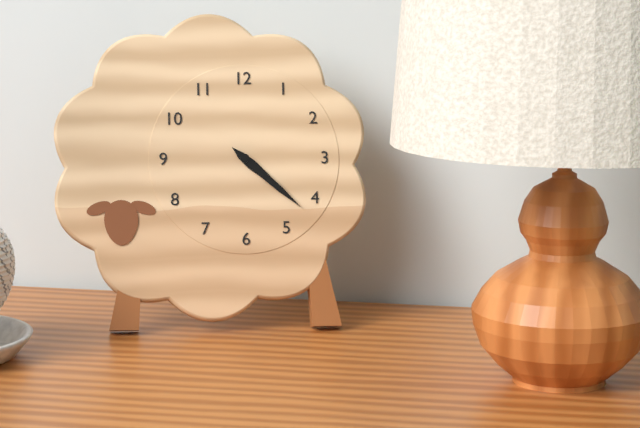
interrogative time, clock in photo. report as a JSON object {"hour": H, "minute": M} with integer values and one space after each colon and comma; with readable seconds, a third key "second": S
{"hour": 4, "minute": 22}
